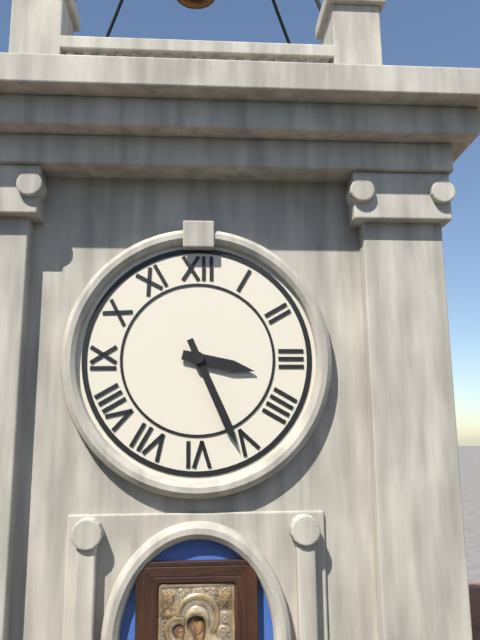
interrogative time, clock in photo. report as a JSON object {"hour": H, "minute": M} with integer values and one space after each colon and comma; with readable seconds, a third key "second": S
{"hour": 3, "minute": 26}
